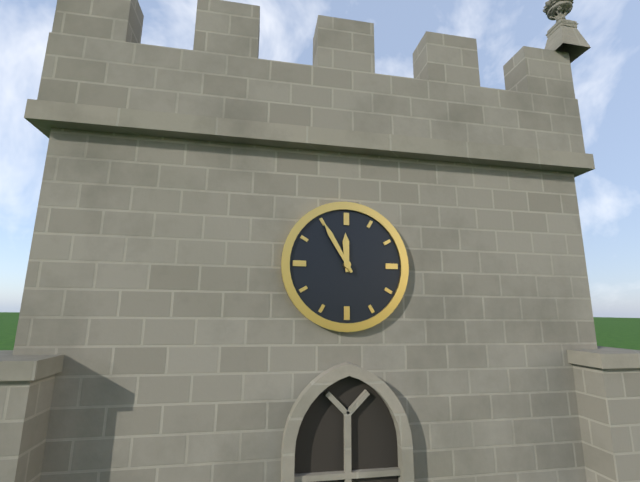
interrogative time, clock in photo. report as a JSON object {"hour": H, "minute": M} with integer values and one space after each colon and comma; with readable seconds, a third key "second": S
{"hour": 11, "minute": 55}
